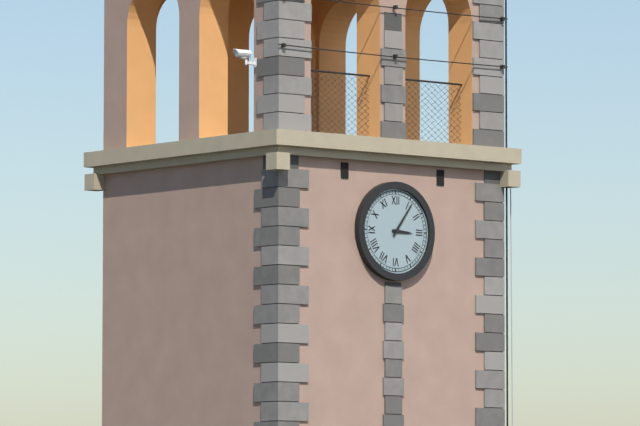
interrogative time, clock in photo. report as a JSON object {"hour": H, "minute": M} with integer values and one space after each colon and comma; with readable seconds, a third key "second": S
{"hour": 3, "minute": 6}
